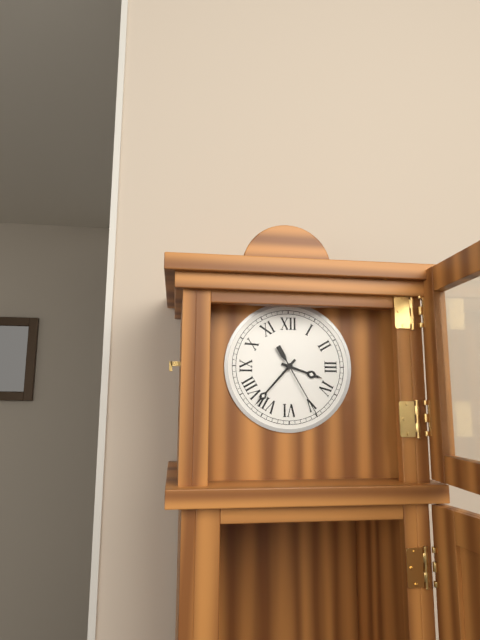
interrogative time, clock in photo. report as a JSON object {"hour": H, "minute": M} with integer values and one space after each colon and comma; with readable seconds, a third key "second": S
{"hour": 3, "minute": 37, "second": 25}
